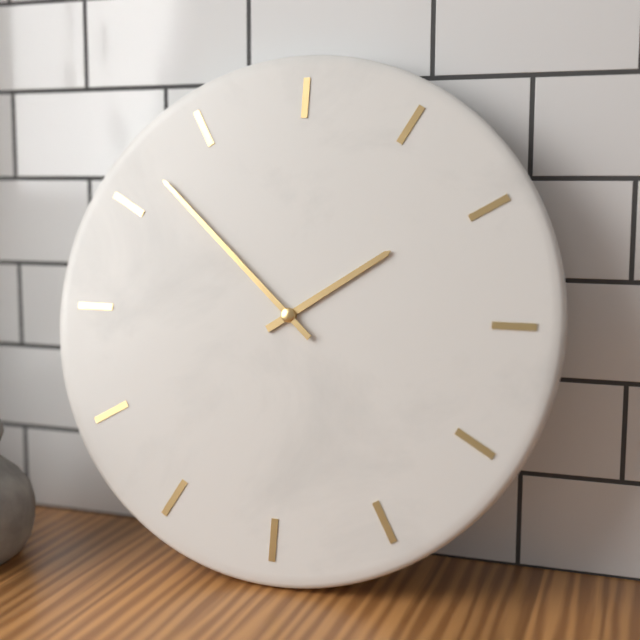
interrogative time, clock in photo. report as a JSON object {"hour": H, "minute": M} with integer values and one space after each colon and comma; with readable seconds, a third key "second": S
{"hour": 1, "minute": 52}
